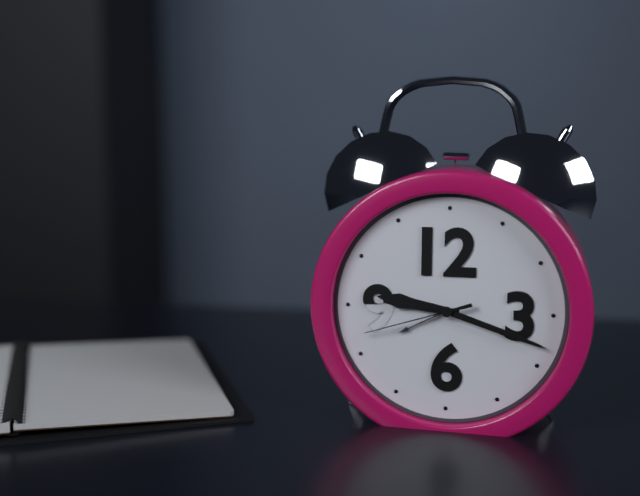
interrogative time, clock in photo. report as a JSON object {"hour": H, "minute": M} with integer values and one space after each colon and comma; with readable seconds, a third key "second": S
{"hour": 9, "minute": 18, "second": 42}
